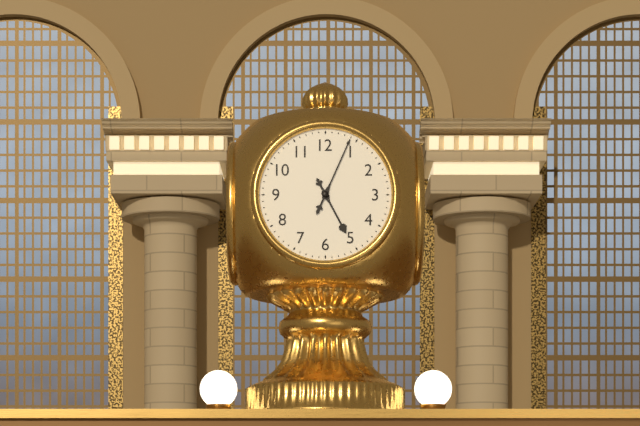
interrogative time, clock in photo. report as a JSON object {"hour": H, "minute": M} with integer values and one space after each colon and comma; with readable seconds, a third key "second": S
{"hour": 5, "minute": 4}
